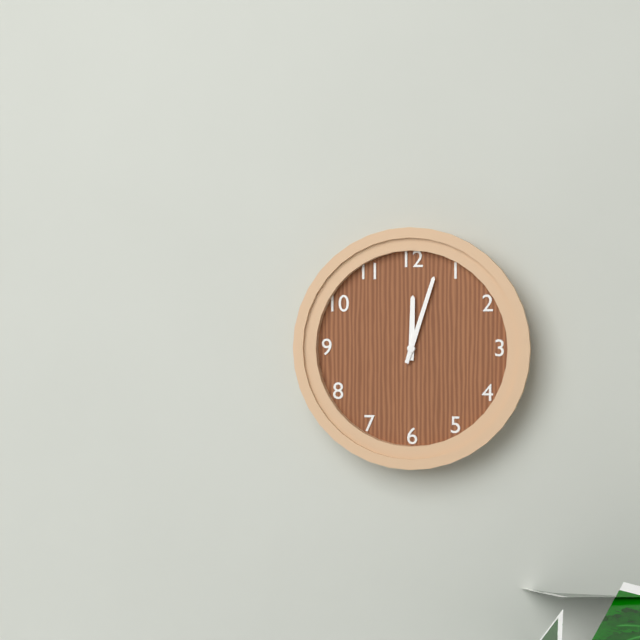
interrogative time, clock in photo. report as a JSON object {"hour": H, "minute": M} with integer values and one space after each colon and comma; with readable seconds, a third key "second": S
{"hour": 12, "minute": 3}
